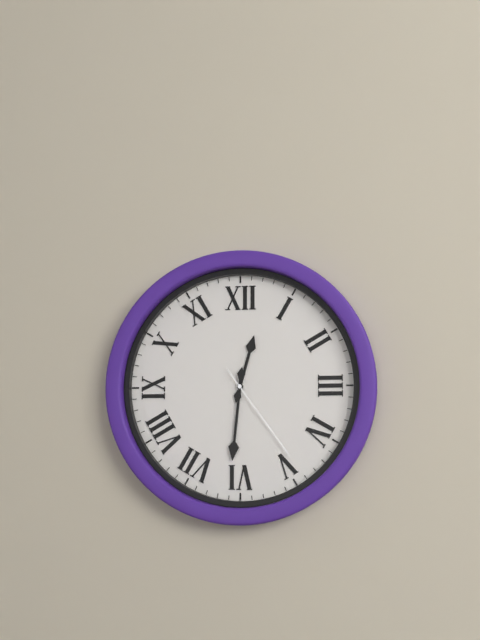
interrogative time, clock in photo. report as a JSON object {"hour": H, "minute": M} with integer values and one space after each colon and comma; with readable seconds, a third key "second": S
{"hour": 12, "minute": 31, "second": 24}
